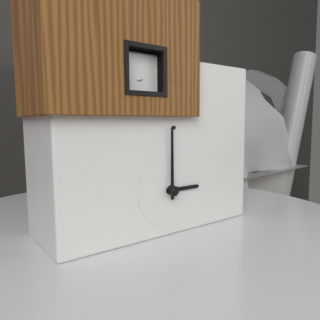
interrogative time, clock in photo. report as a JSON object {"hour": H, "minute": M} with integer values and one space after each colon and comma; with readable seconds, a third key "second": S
{"hour": 3, "minute": 0}
